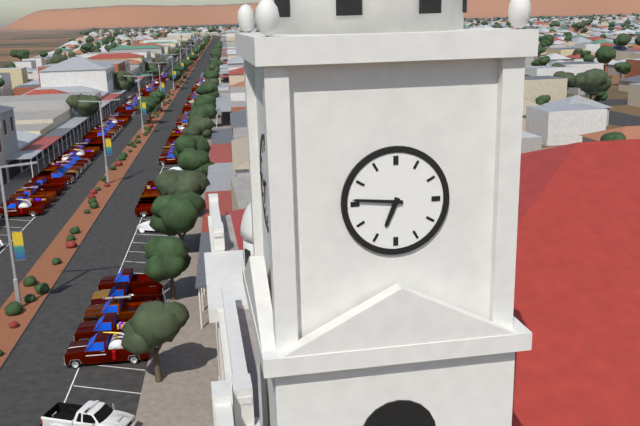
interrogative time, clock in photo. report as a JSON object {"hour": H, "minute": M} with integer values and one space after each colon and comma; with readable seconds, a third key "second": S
{"hour": 6, "minute": 46}
